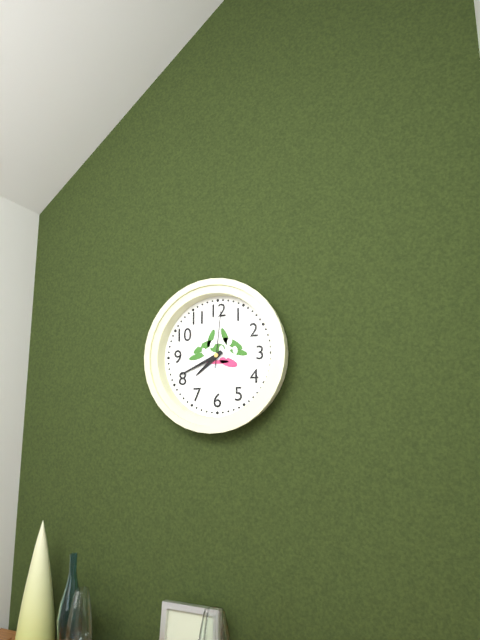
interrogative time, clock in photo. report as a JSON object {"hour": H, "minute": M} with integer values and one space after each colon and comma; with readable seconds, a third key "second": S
{"hour": 7, "minute": 41, "second": 1}
